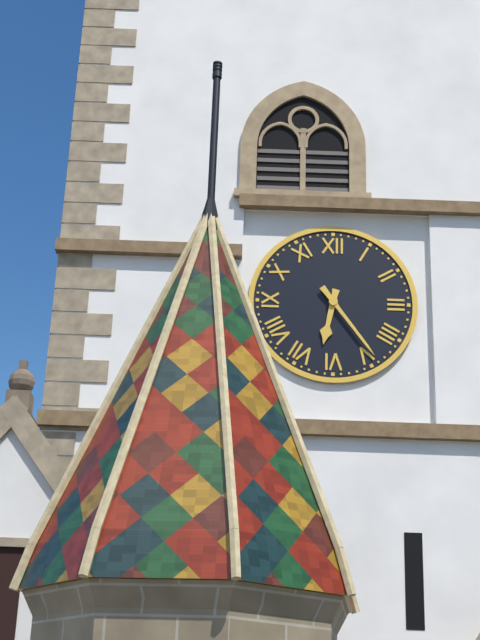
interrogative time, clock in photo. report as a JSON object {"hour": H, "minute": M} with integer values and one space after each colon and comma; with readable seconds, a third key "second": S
{"hour": 6, "minute": 24}
